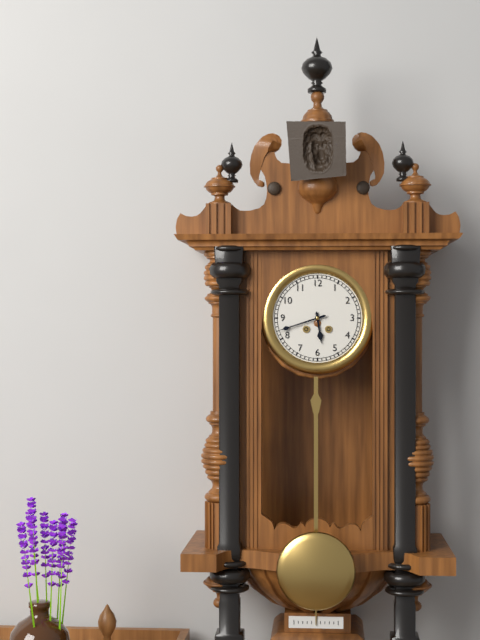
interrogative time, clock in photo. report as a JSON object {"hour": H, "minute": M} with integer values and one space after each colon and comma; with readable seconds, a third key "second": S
{"hour": 5, "minute": 42}
